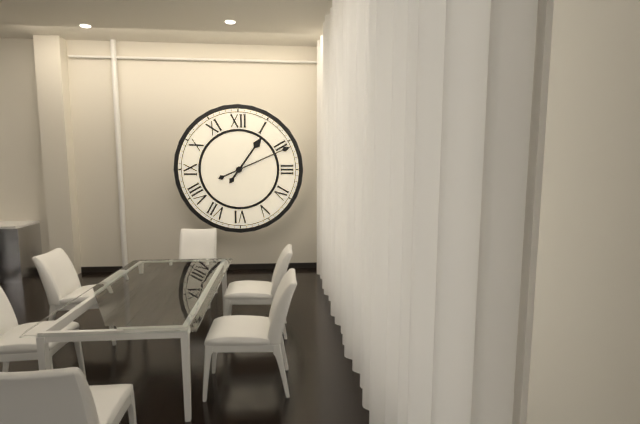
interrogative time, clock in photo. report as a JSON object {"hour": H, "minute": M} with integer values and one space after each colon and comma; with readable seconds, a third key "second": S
{"hour": 1, "minute": 11}
